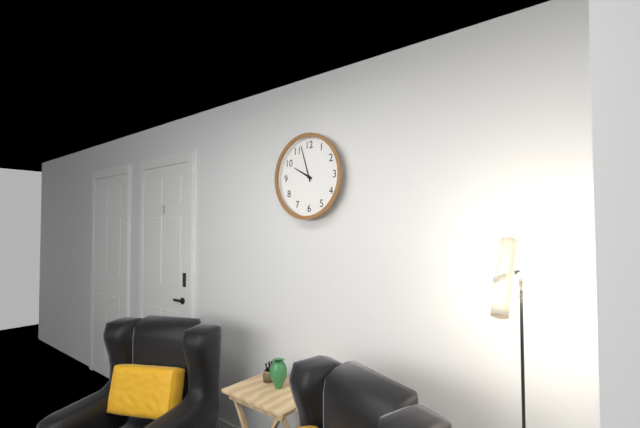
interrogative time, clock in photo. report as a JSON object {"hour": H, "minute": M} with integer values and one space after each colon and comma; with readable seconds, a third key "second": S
{"hour": 9, "minute": 57}
